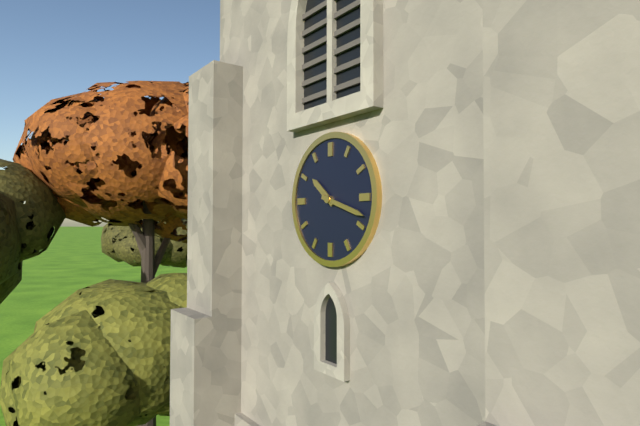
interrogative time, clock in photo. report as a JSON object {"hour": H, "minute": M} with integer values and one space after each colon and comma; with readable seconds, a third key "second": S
{"hour": 10, "minute": 18}
